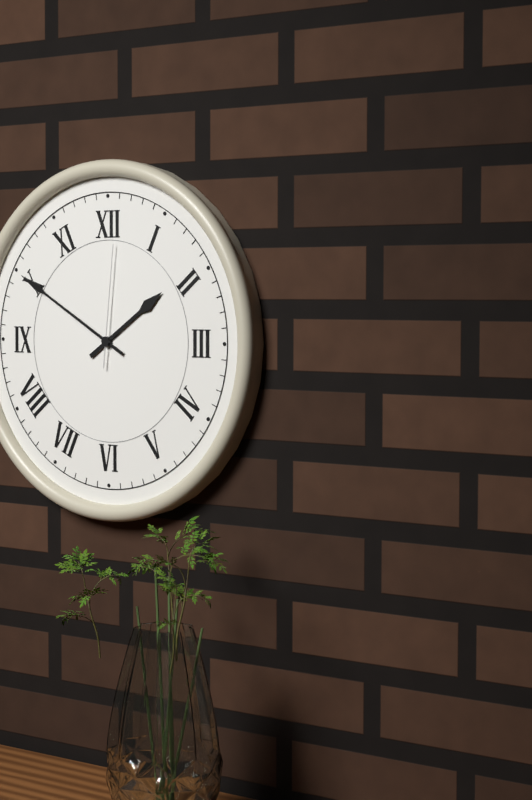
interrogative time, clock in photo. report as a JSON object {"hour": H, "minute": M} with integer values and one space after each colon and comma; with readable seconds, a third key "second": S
{"hour": 1, "minute": 50, "second": 1}
